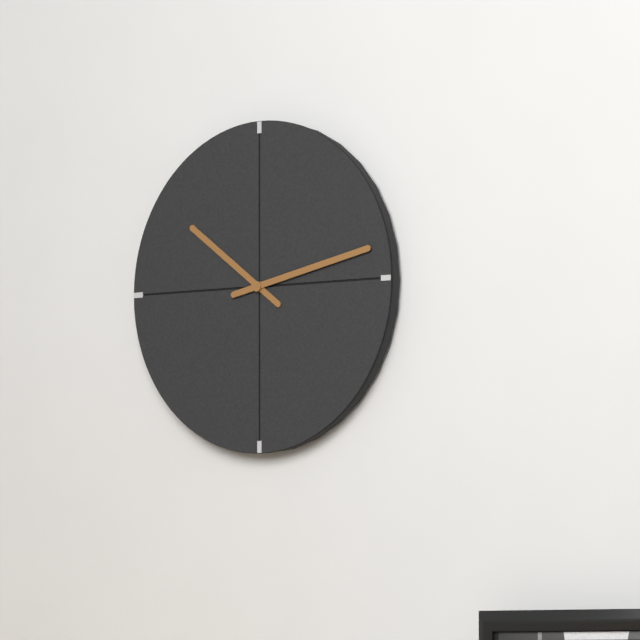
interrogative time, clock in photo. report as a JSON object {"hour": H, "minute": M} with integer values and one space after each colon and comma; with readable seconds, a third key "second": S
{"hour": 10, "minute": 13}
